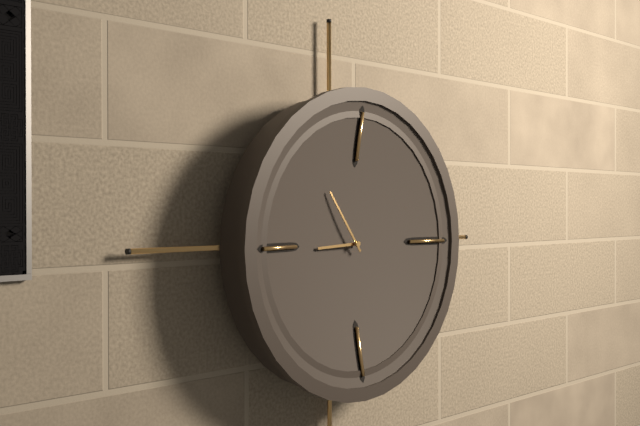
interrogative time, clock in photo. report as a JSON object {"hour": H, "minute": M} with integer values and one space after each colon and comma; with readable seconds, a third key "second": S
{"hour": 8, "minute": 54}
